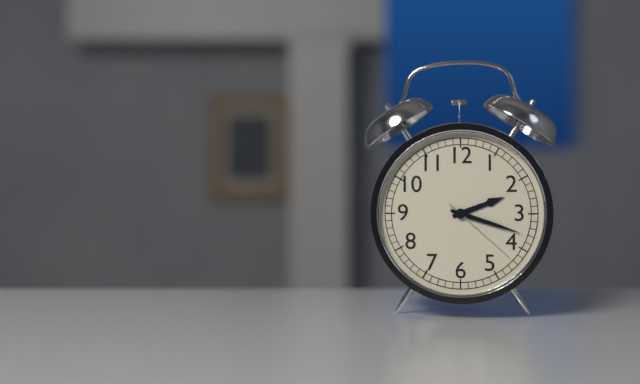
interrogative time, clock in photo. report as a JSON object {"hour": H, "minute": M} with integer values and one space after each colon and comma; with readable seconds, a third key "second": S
{"hour": 2, "minute": 18, "second": 22}
